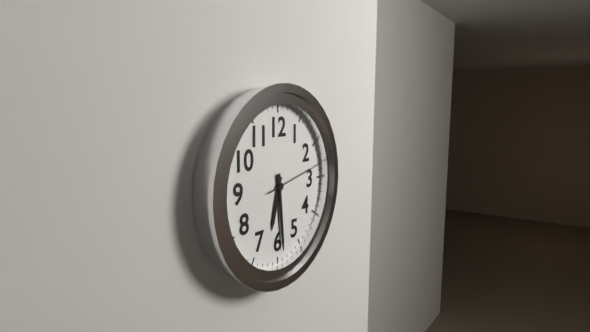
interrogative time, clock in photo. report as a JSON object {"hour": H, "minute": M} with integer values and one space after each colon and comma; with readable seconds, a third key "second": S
{"hour": 6, "minute": 29, "second": 13}
